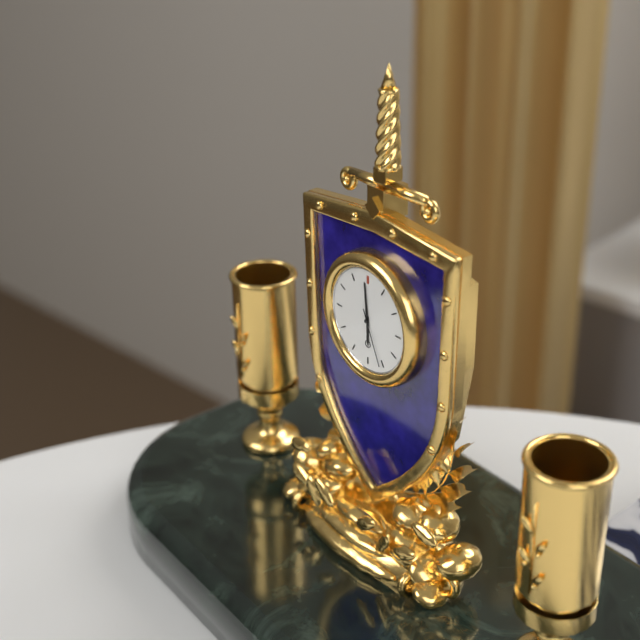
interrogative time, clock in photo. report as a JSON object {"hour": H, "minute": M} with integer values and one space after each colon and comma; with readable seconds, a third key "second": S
{"hour": 5, "minute": 59, "second": 26}
